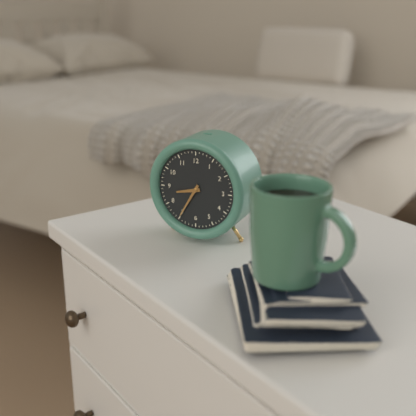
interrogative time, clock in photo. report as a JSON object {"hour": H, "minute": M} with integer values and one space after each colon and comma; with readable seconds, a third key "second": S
{"hour": 8, "minute": 35}
